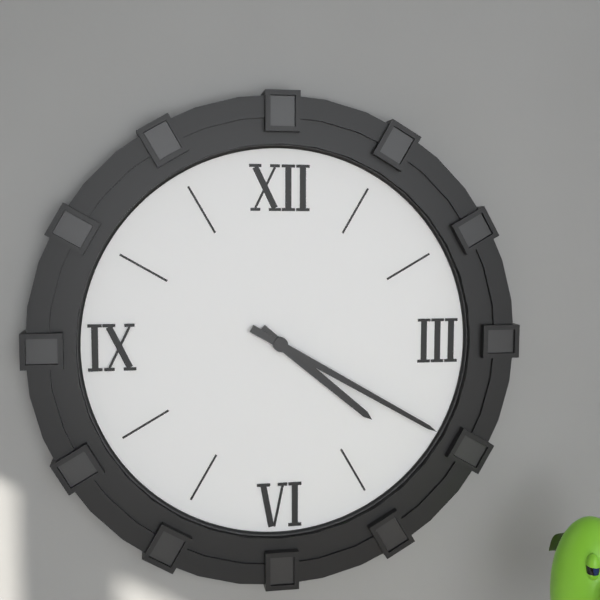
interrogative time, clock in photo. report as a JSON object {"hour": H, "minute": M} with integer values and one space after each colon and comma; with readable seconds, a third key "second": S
{"hour": 4, "minute": 20}
